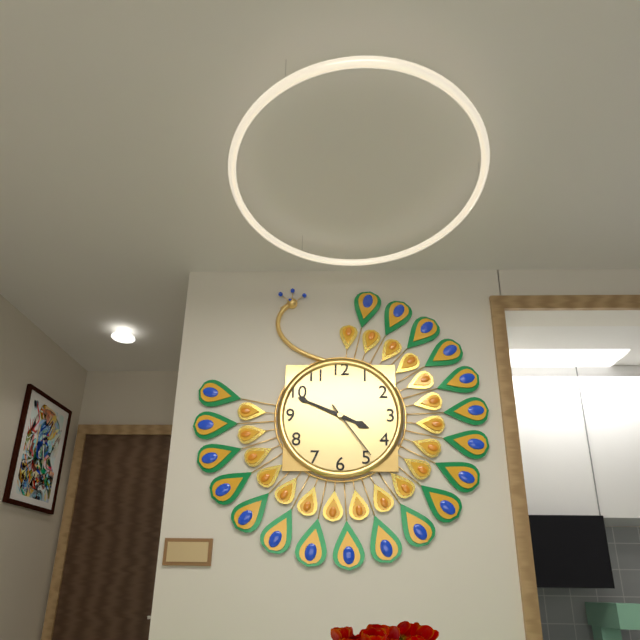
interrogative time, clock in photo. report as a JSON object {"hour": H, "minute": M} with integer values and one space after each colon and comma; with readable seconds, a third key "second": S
{"hour": 3, "minute": 49, "second": 24}
